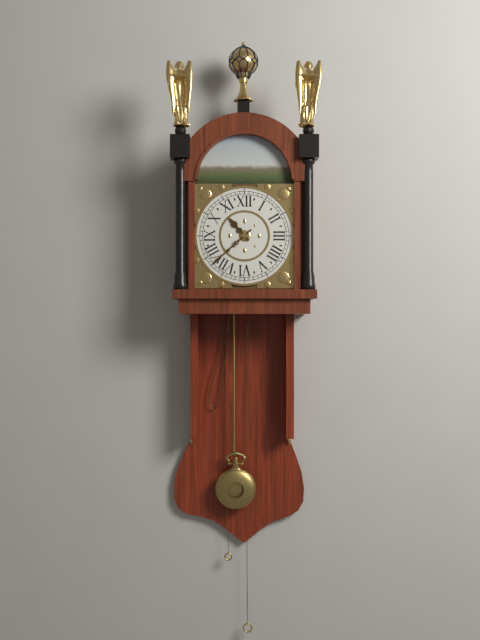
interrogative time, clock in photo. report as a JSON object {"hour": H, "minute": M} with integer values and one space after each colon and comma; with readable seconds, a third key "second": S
{"hour": 10, "minute": 38}
